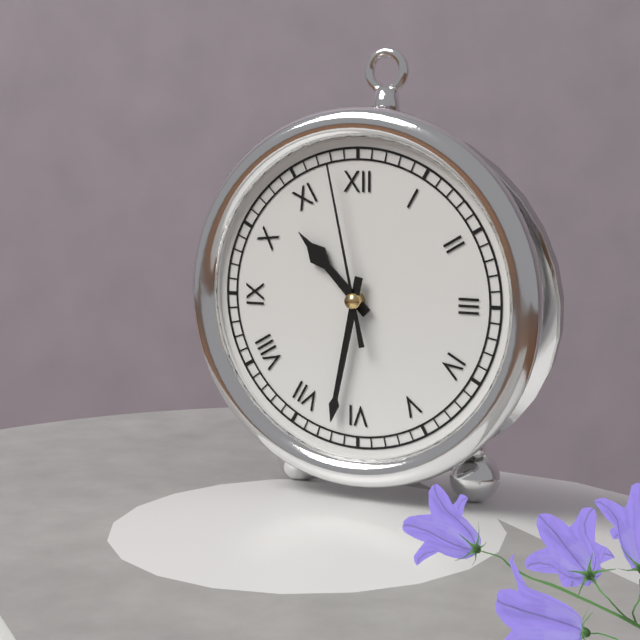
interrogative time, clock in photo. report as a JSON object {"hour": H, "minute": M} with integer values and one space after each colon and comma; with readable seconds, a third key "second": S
{"hour": 10, "minute": 32, "second": 58}
